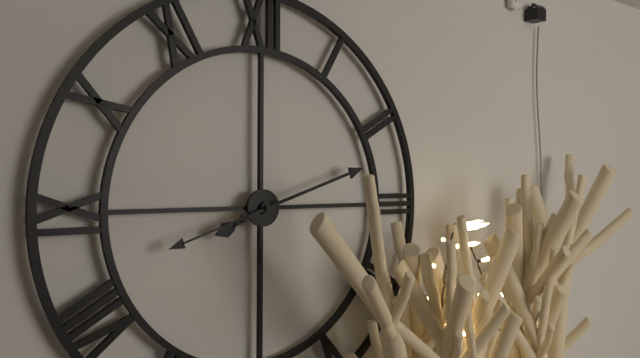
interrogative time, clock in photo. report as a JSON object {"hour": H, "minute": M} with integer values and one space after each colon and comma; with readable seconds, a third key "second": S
{"hour": 8, "minute": 12, "second": 42}
